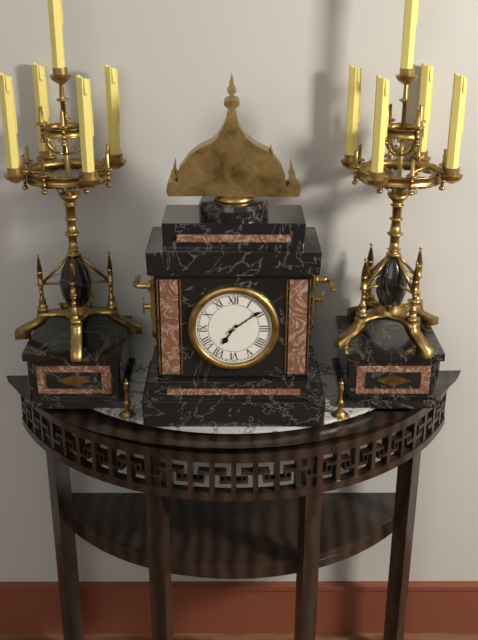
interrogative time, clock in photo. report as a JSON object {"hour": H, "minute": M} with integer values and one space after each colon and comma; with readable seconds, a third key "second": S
{"hour": 7, "minute": 9}
